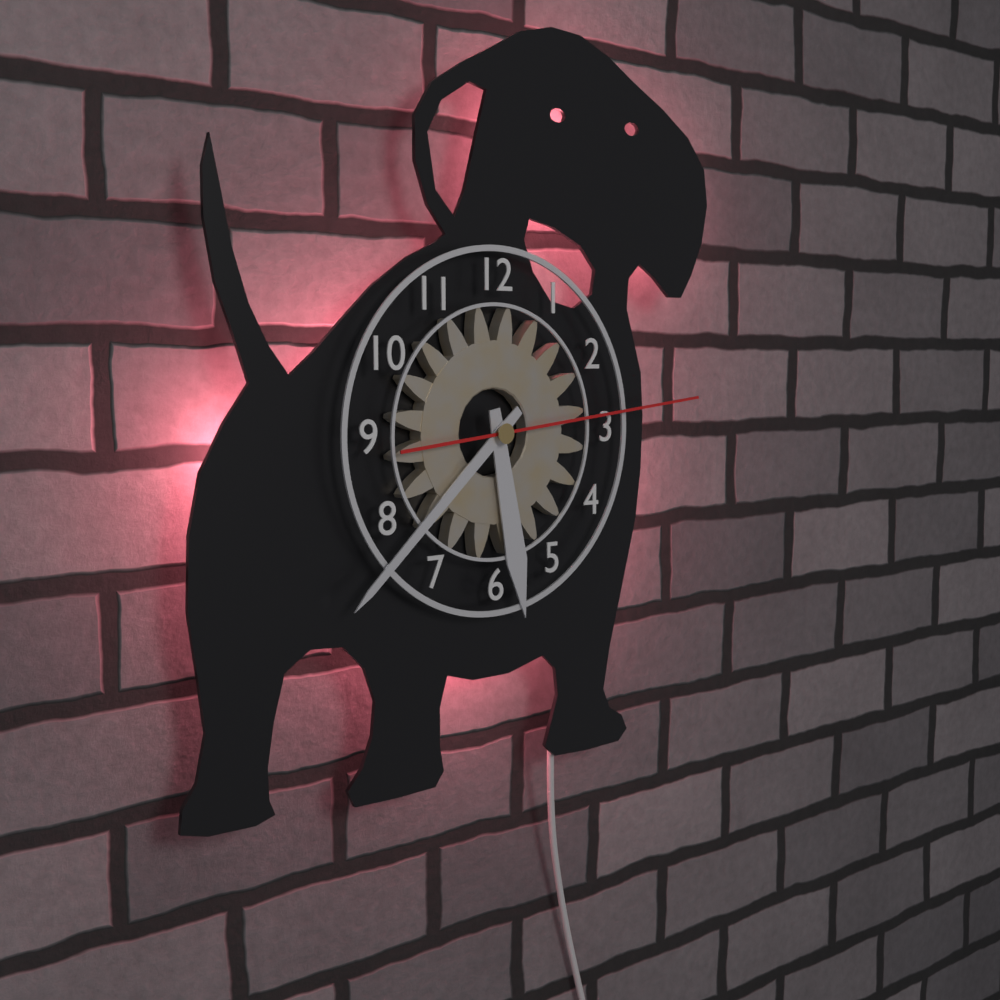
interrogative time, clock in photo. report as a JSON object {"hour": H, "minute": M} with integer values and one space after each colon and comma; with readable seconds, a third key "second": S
{"hour": 5, "minute": 38, "second": 14}
